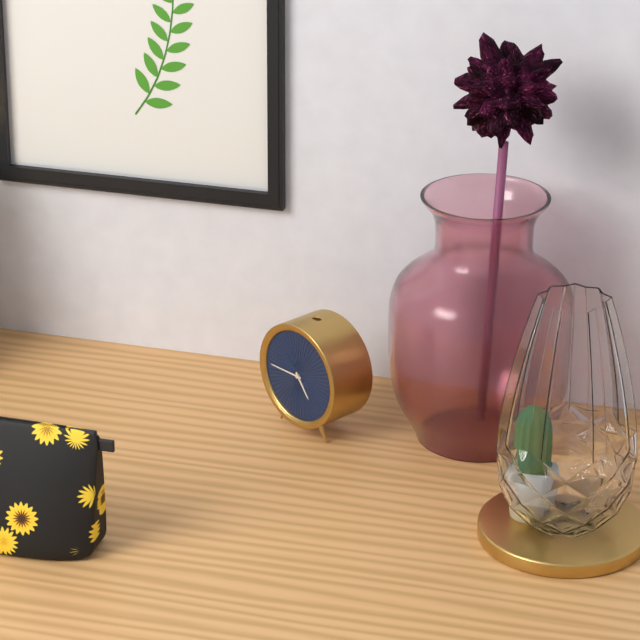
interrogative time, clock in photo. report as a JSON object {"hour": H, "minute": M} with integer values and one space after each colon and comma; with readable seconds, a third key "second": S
{"hour": 4, "minute": 45}
